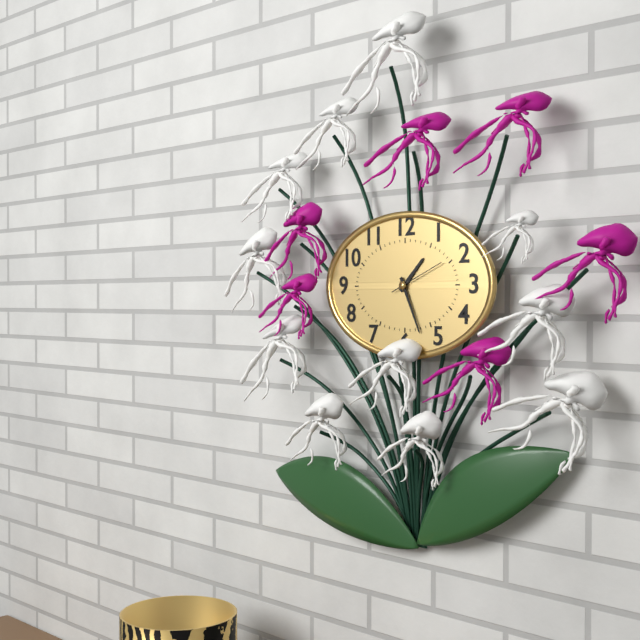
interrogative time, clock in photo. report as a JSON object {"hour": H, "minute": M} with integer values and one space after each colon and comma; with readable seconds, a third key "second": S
{"hour": 1, "minute": 26, "second": 11}
